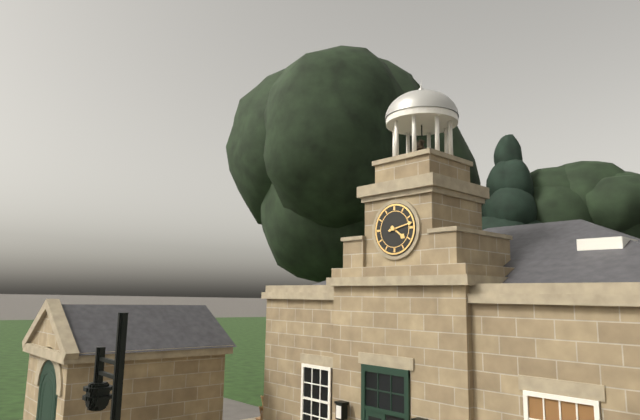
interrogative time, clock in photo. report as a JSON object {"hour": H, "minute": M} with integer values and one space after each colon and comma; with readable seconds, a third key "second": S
{"hour": 4, "minute": 13}
